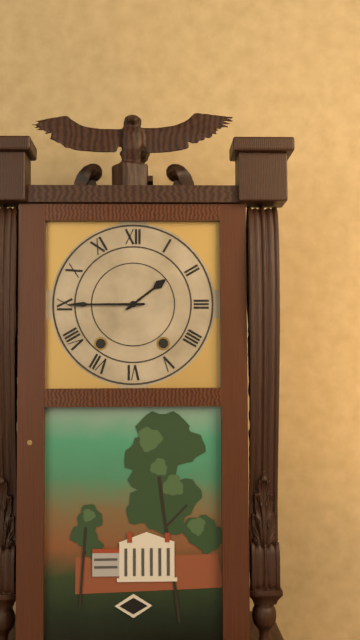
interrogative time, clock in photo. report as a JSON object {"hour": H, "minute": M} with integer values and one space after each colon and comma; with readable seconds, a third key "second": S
{"hour": 1, "minute": 45}
